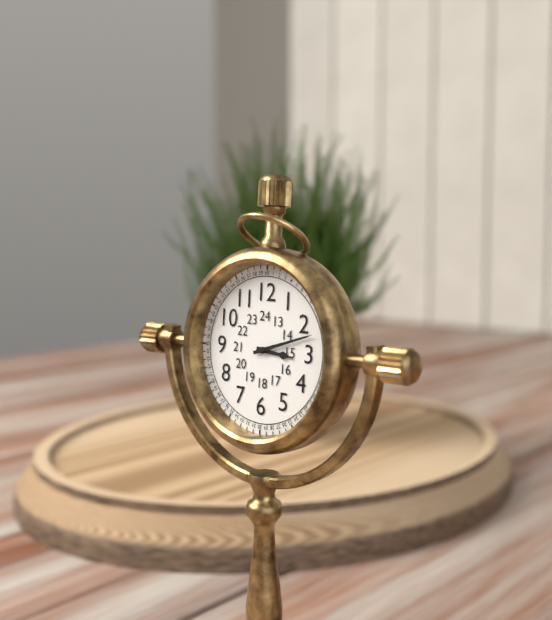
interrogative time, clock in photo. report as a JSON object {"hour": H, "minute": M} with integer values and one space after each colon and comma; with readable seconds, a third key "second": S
{"hour": 3, "minute": 12}
